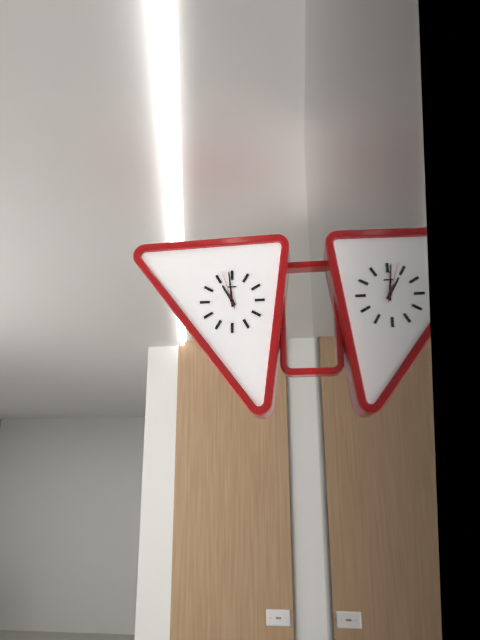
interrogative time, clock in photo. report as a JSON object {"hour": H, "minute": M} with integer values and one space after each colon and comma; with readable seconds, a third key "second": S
{"hour": 10, "minute": 59}
